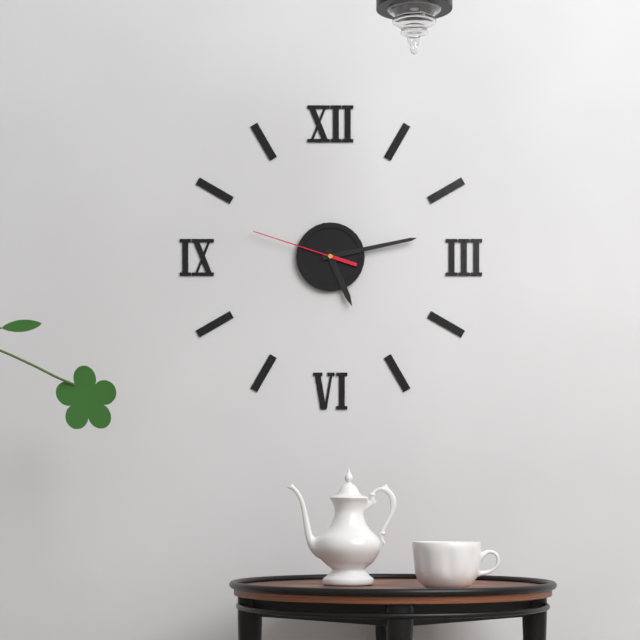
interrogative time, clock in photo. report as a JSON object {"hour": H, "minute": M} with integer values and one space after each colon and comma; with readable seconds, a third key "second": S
{"hour": 5, "minute": 13, "second": 48}
